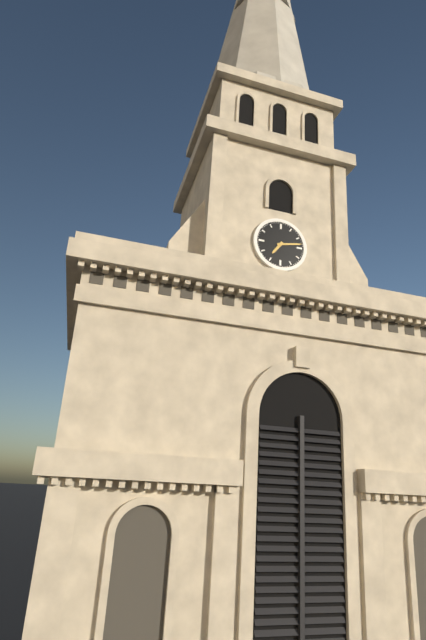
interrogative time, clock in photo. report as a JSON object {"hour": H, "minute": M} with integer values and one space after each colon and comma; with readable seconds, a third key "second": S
{"hour": 7, "minute": 13}
